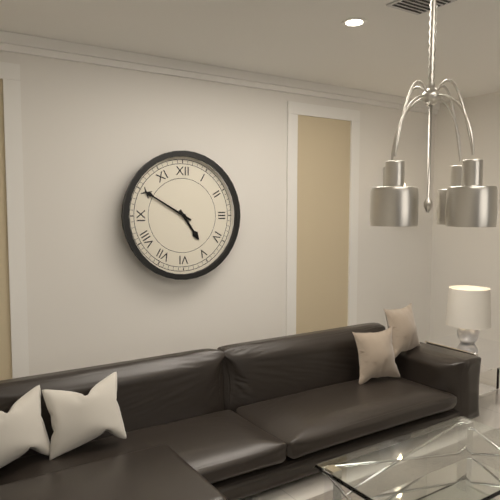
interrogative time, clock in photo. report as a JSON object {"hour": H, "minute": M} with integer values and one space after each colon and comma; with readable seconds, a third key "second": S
{"hour": 4, "minute": 50}
